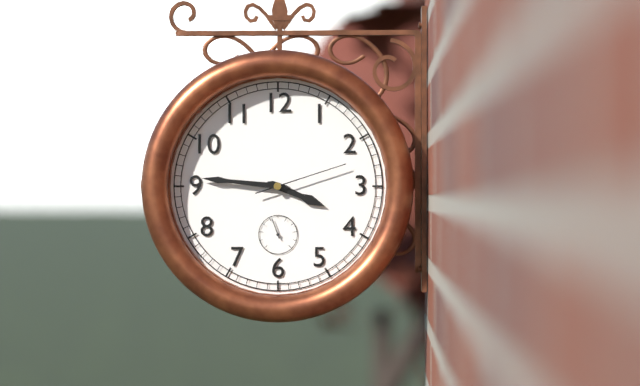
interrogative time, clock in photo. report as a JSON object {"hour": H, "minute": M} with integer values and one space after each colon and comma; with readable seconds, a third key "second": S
{"hour": 3, "minute": 46, "second": 12}
